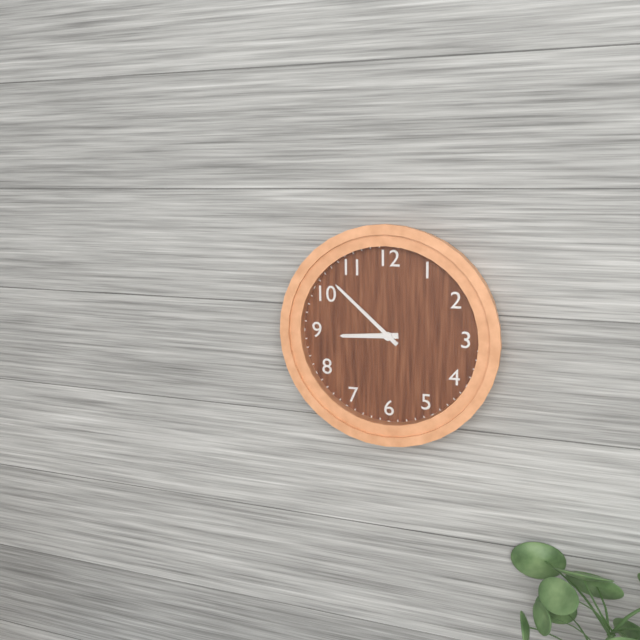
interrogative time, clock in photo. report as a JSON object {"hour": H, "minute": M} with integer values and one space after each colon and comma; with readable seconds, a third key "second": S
{"hour": 8, "minute": 52}
